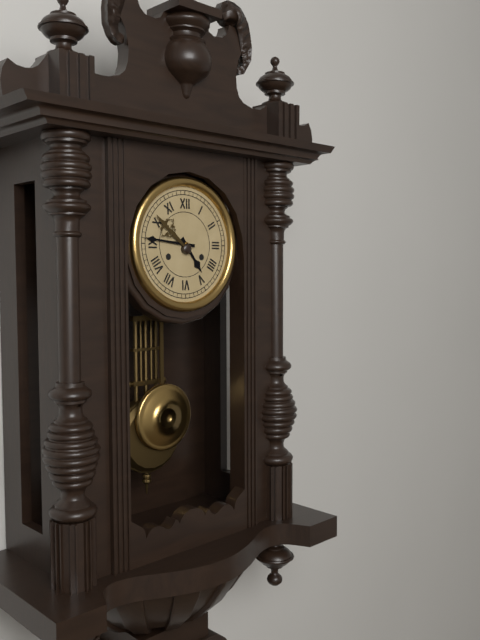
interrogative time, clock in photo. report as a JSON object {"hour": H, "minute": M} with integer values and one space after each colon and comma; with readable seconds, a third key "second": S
{"hour": 4, "minute": 46}
